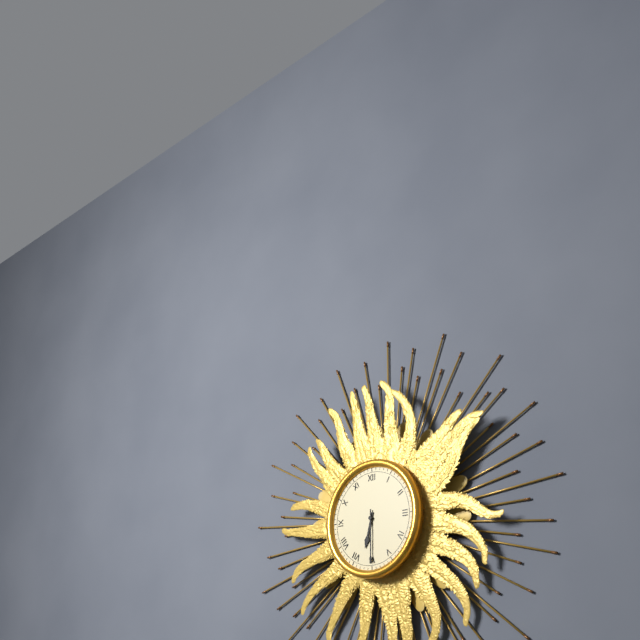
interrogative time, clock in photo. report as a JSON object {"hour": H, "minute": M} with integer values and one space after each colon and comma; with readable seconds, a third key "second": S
{"hour": 6, "minute": 30}
